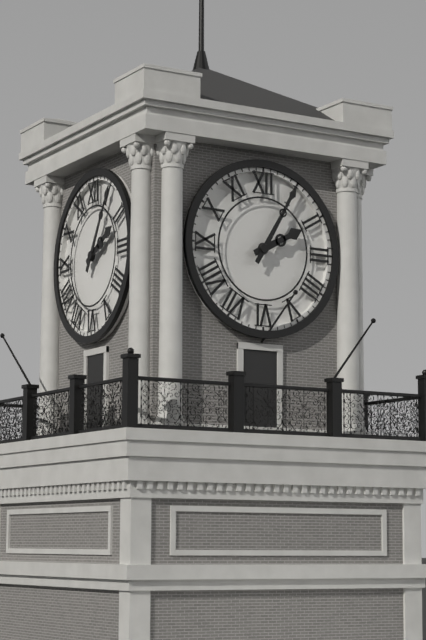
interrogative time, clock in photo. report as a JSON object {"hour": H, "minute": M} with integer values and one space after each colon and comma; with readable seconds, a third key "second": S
{"hour": 2, "minute": 5}
